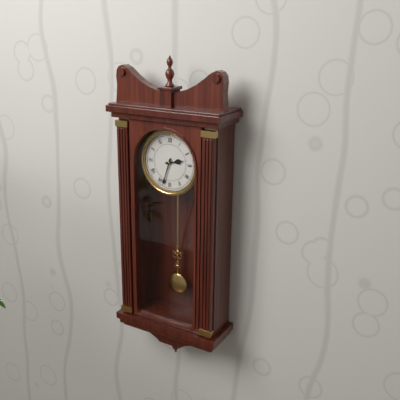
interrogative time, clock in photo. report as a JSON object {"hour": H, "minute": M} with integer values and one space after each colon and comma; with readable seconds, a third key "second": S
{"hour": 2, "minute": 33}
